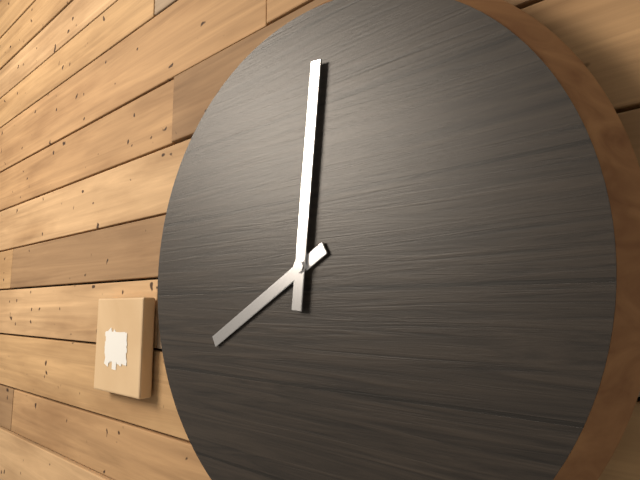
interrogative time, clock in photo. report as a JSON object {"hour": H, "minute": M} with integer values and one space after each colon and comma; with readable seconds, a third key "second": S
{"hour": 8, "minute": 1}
